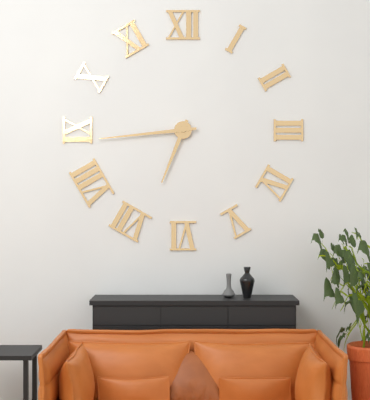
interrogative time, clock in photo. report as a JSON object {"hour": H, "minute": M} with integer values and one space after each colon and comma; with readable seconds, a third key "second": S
{"hour": 6, "minute": 44}
